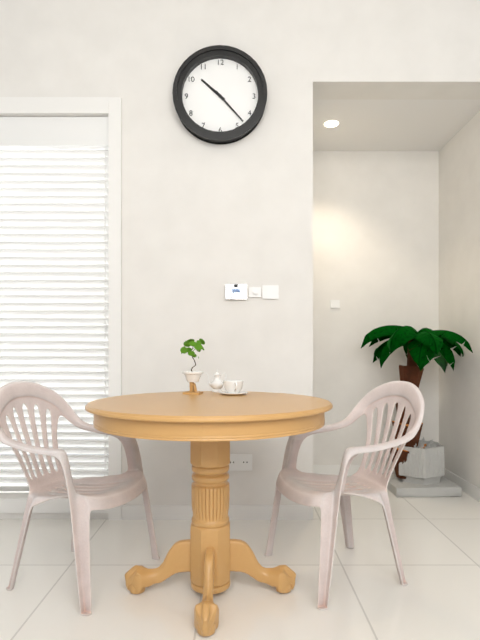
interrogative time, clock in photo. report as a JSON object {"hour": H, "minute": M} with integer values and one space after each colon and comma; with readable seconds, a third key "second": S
{"hour": 10, "minute": 23}
